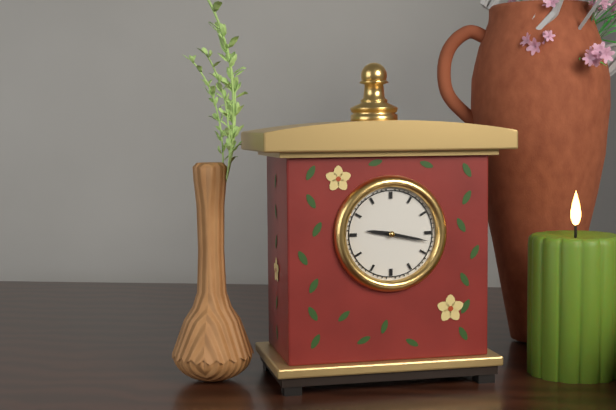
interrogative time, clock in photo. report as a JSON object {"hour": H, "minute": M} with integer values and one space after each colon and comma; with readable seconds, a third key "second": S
{"hour": 9, "minute": 17}
